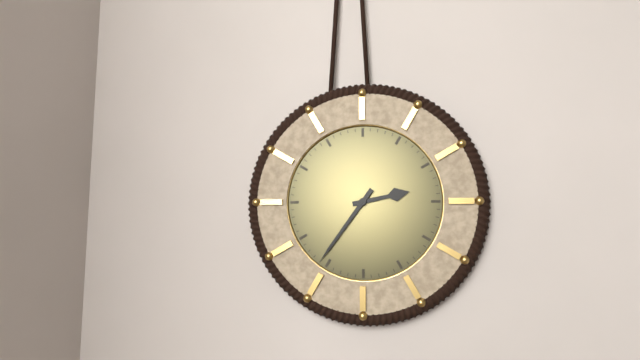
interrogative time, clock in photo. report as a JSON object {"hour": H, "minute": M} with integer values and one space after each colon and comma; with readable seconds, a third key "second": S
{"hour": 2, "minute": 36}
